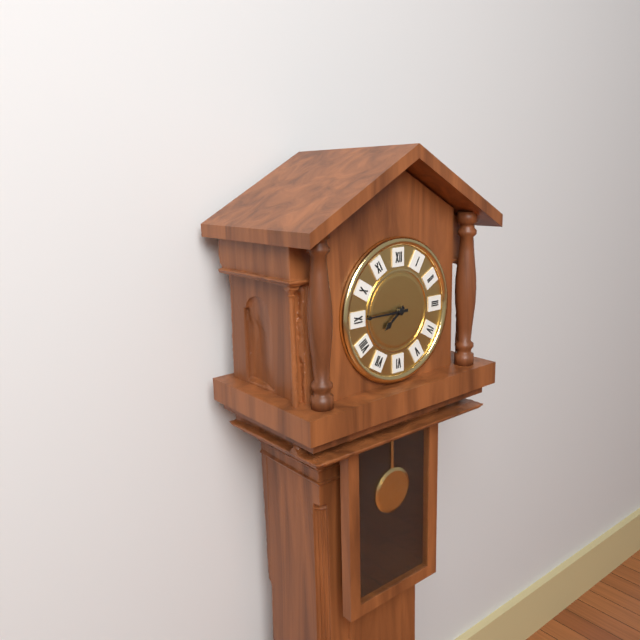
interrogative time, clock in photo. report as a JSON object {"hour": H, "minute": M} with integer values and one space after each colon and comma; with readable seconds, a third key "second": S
{"hour": 7, "minute": 45}
